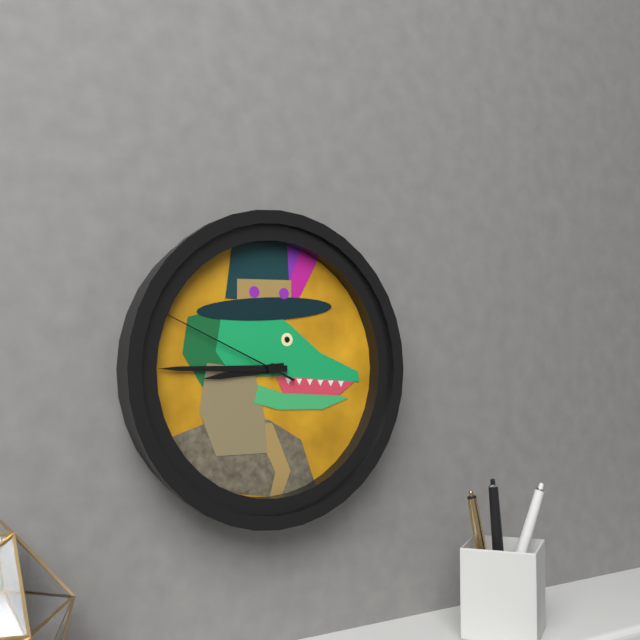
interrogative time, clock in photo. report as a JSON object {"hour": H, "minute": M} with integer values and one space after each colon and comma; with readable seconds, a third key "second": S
{"hour": 8, "minute": 45, "second": 49}
